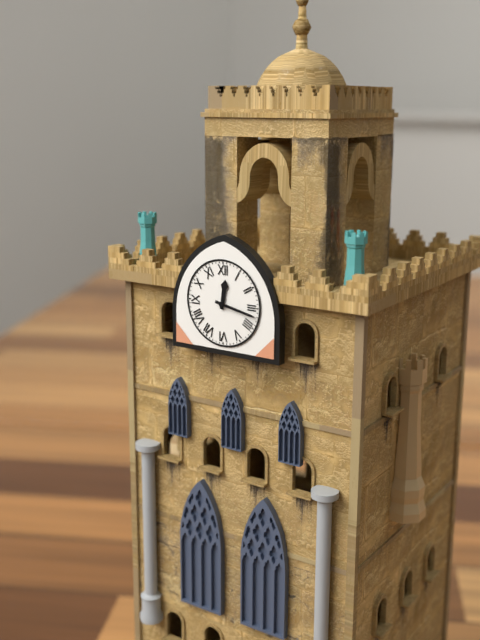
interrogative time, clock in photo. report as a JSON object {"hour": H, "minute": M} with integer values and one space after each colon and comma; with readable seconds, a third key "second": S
{"hour": 12, "minute": 17}
